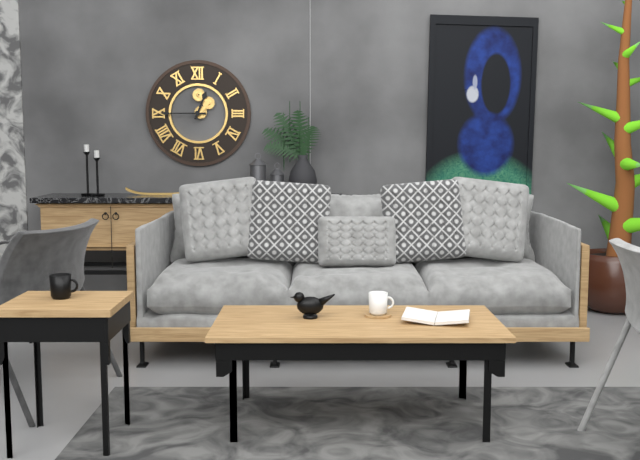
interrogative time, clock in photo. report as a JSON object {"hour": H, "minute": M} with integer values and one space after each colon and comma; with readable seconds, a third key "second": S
{"hour": 12, "minute": 45}
